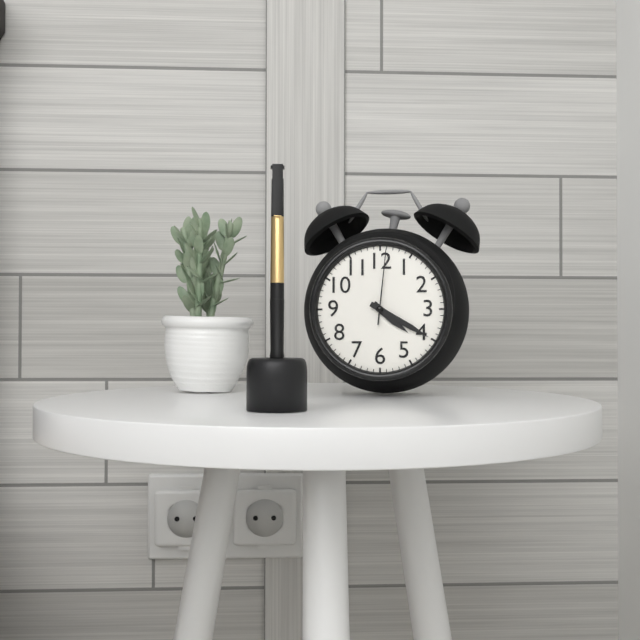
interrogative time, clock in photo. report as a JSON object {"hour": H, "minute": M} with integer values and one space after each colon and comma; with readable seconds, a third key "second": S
{"hour": 4, "minute": 20, "second": 1}
